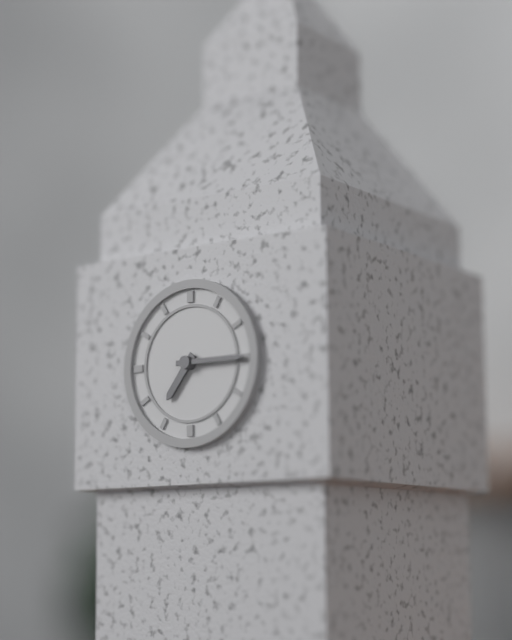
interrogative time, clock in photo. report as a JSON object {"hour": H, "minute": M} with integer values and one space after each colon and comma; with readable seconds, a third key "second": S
{"hour": 7, "minute": 15}
